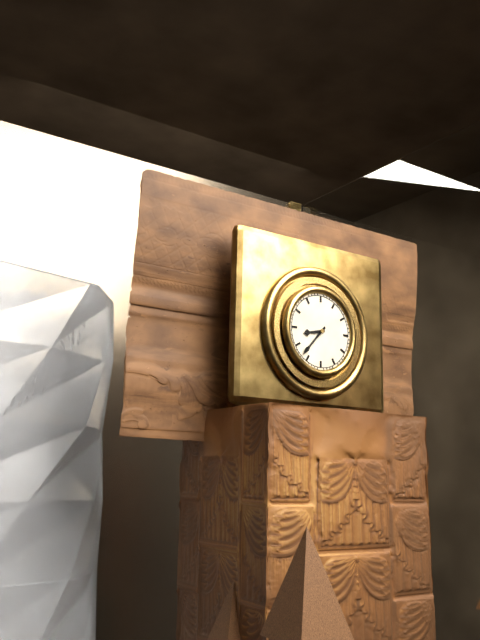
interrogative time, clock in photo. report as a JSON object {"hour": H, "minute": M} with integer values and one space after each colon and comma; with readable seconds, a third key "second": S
{"hour": 8, "minute": 37}
